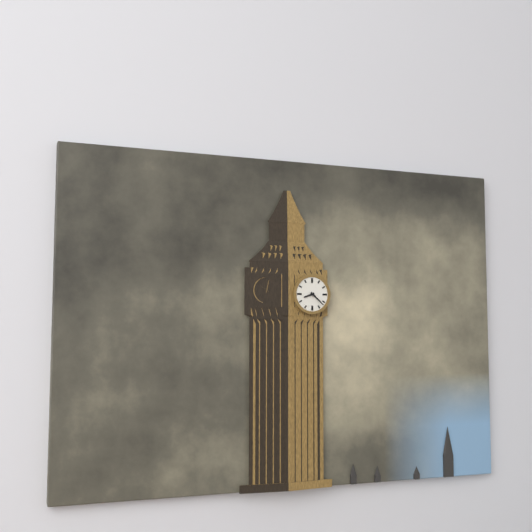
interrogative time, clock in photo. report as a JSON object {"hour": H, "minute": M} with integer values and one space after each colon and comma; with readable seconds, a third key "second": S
{"hour": 8, "minute": 22}
